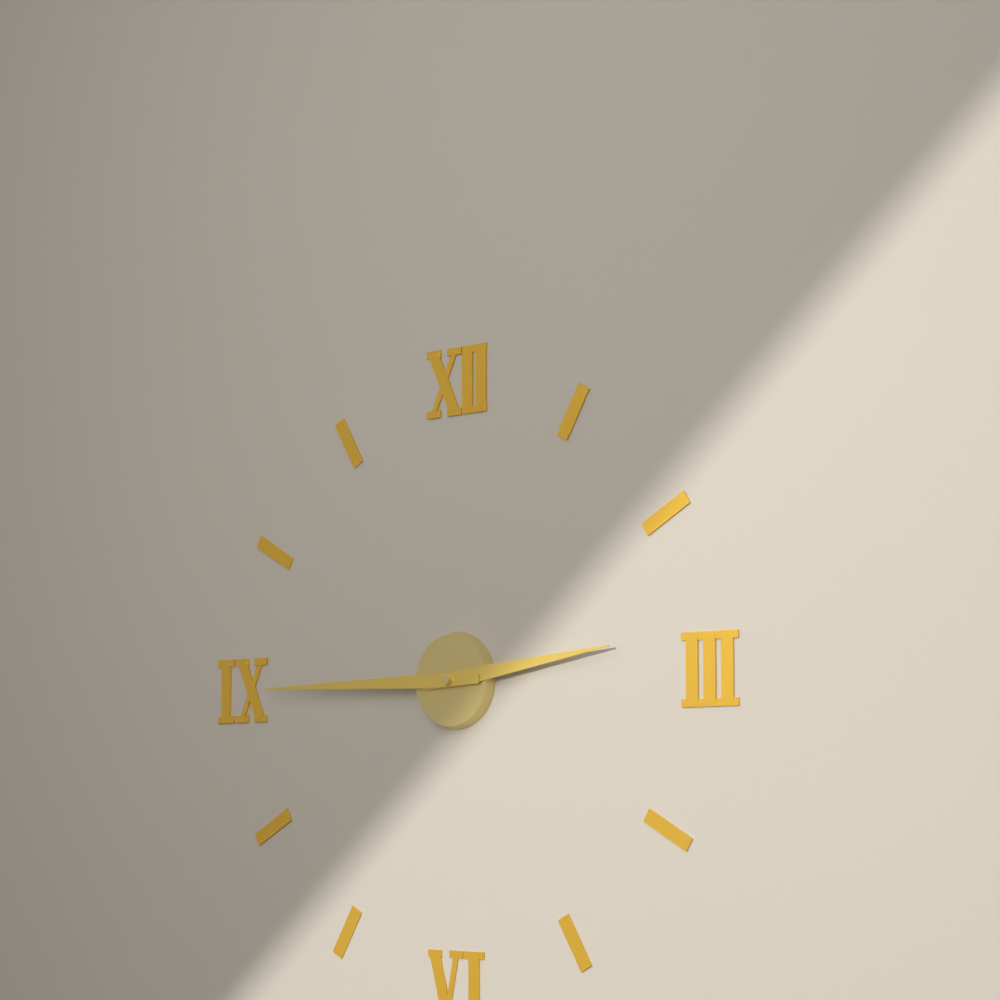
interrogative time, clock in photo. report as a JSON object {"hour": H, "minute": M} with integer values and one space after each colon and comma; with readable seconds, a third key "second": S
{"hour": 2, "minute": 45}
